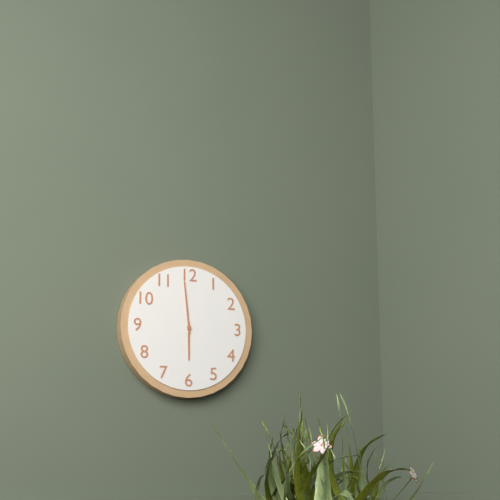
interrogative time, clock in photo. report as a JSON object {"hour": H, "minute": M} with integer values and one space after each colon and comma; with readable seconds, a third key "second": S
{"hour": 5, "minute": 59}
